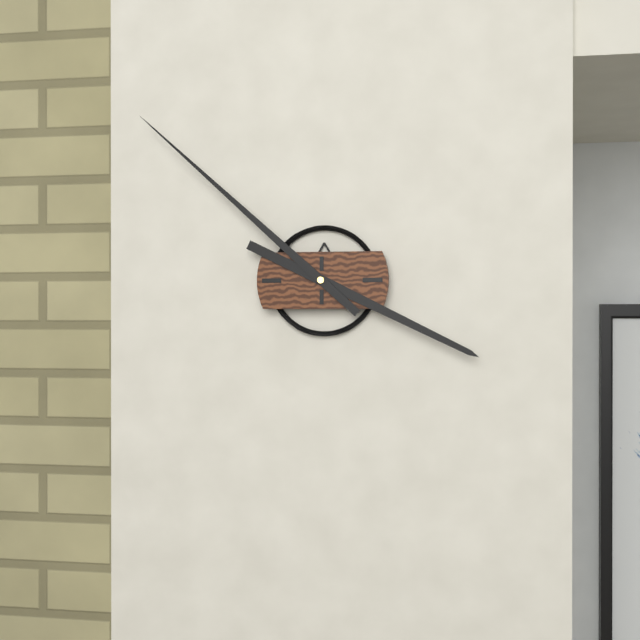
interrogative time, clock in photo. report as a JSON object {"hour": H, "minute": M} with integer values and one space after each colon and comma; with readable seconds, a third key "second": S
{"hour": 3, "minute": 52}
